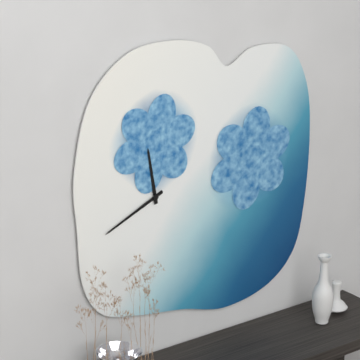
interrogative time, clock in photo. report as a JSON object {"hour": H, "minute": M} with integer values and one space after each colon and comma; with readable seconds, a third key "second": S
{"hour": 11, "minute": 41}
